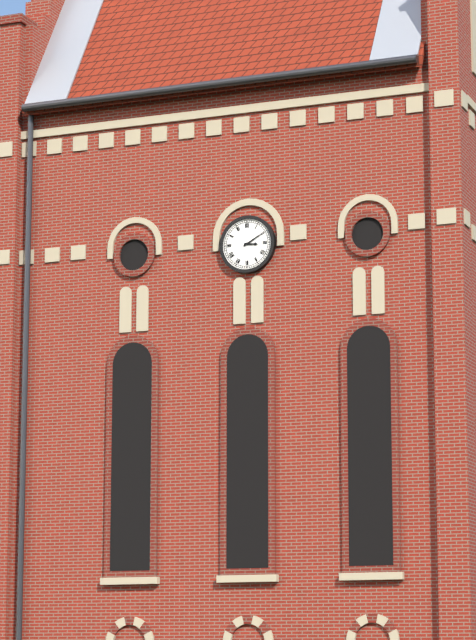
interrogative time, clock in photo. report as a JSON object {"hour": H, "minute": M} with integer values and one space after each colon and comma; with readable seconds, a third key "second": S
{"hour": 3, "minute": 10}
